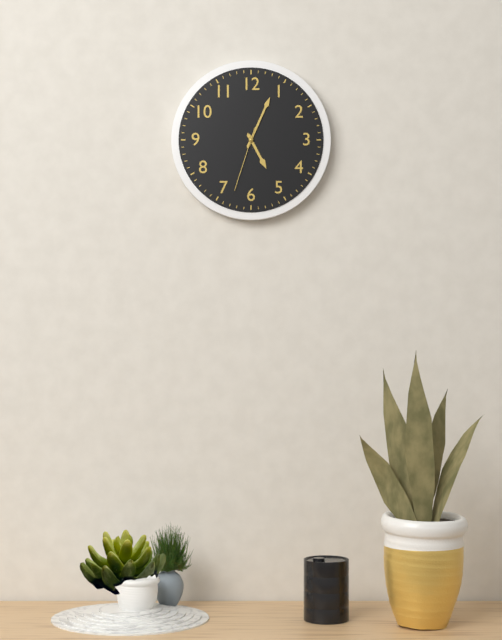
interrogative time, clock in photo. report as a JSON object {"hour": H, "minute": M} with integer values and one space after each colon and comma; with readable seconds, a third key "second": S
{"hour": 5, "minute": 4, "second": 33}
